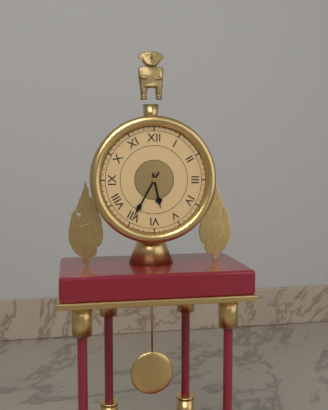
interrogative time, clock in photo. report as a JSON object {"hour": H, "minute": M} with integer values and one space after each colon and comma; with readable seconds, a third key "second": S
{"hour": 5, "minute": 35}
